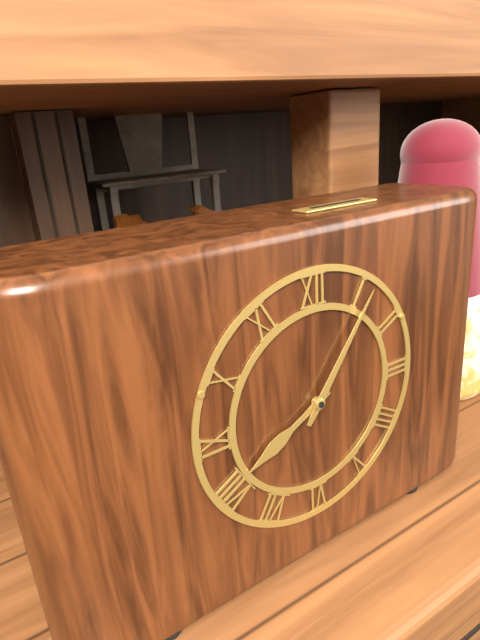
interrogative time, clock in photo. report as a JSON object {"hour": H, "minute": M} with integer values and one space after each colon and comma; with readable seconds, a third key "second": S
{"hour": 8, "minute": 6}
